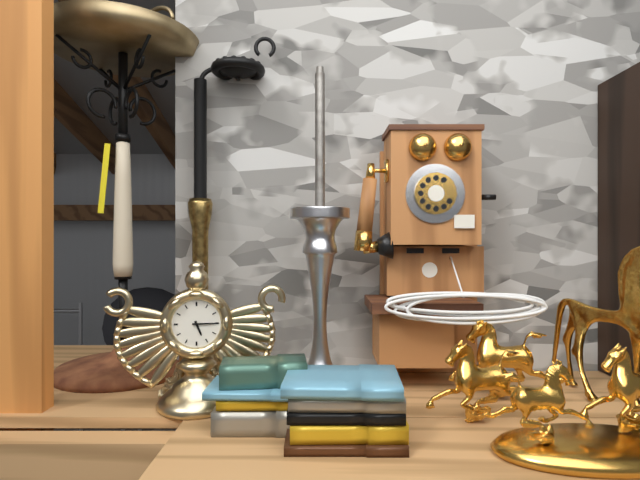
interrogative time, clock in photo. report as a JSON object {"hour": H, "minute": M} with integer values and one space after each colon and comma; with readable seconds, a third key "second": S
{"hour": 5, "minute": 15}
